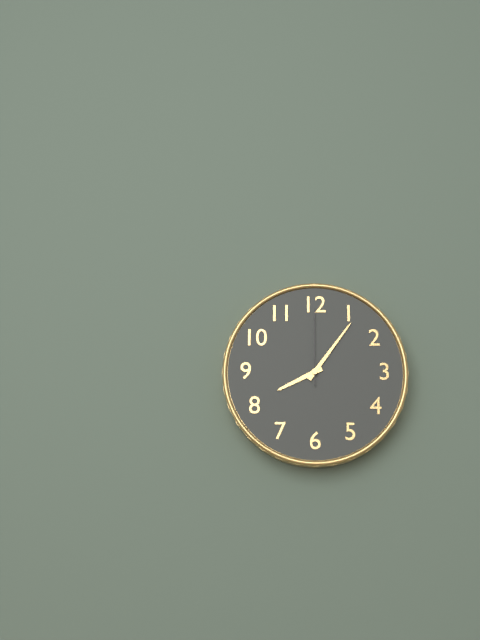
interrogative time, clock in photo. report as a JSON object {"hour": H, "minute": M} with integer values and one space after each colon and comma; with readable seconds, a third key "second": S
{"hour": 8, "minute": 6, "second": 0}
